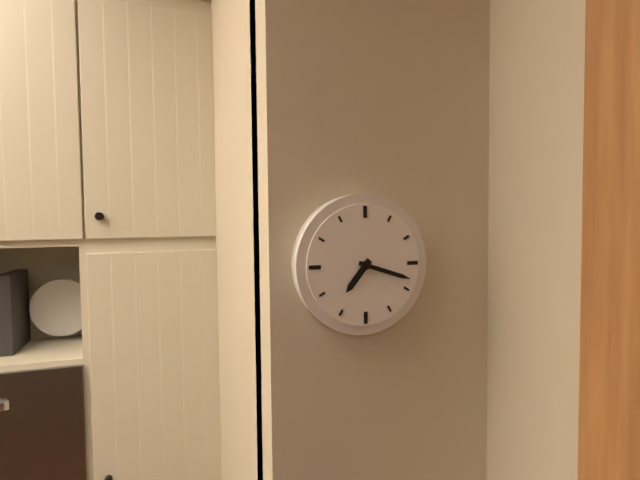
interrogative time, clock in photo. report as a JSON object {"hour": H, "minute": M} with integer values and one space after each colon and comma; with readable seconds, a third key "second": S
{"hour": 7, "minute": 18}
